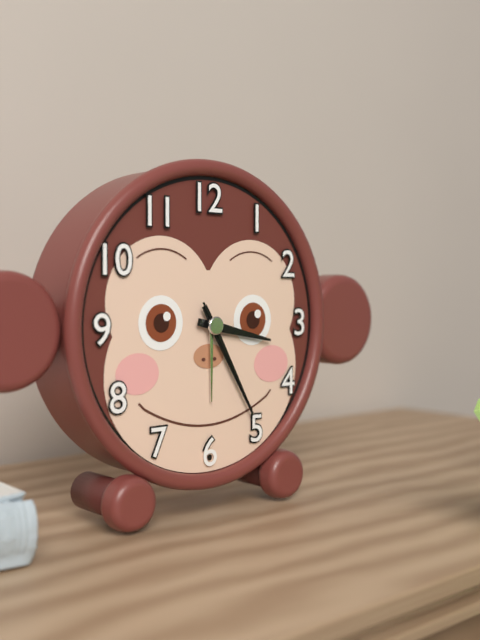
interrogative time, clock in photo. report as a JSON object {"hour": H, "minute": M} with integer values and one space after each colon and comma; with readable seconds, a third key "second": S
{"hour": 3, "minute": 25, "second": 25}
